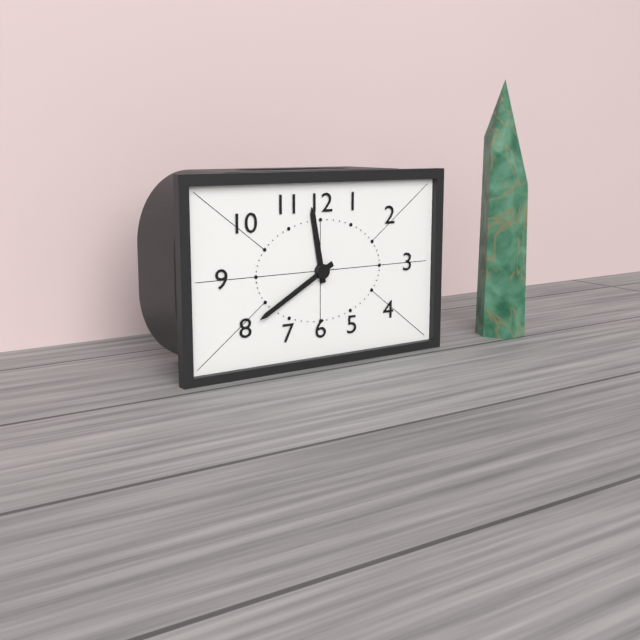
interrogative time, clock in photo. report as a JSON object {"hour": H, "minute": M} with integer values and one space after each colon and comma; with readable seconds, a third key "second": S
{"hour": 11, "minute": 40}
